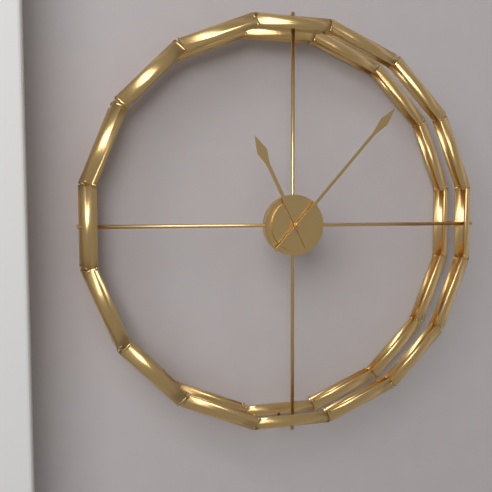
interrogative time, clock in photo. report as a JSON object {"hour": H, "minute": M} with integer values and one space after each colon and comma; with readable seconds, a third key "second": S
{"hour": 11, "minute": 7}
